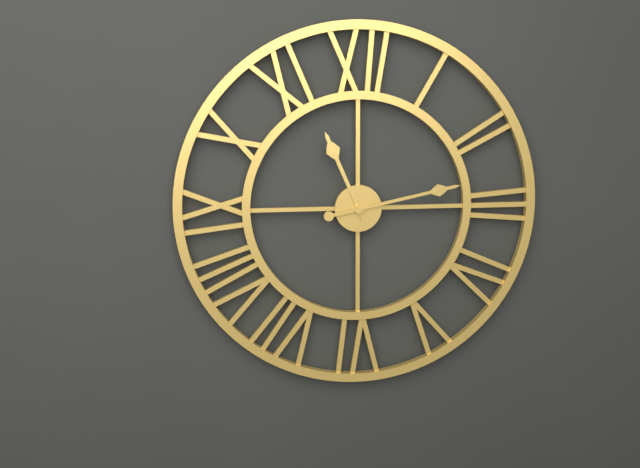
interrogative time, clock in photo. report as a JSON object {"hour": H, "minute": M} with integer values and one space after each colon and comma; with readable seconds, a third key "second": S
{"hour": 11, "minute": 13}
